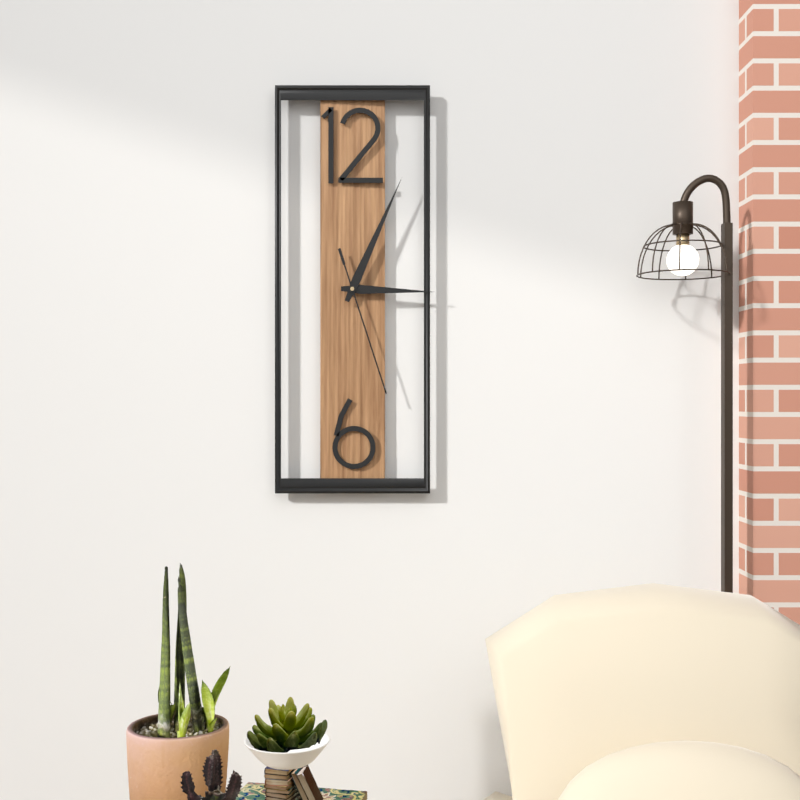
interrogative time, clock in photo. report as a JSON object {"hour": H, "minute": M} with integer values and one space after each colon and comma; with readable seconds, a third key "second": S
{"hour": 3, "minute": 4, "second": 27}
